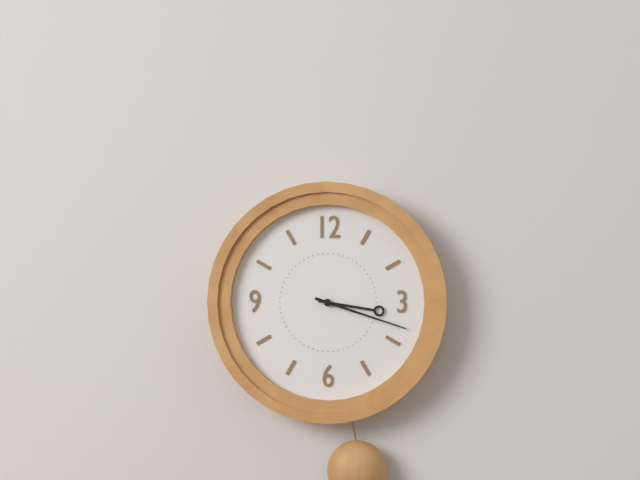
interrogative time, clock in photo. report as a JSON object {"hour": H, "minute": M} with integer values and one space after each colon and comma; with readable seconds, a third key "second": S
{"hour": 3, "minute": 18}
